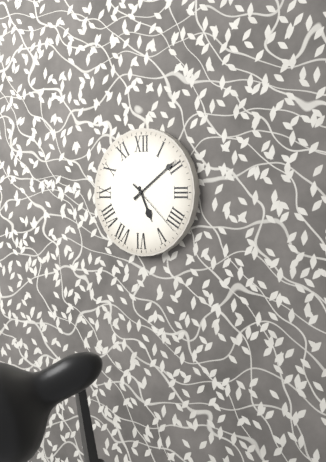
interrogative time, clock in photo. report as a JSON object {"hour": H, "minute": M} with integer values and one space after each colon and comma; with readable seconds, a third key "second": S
{"hour": 5, "minute": 9, "second": 22}
